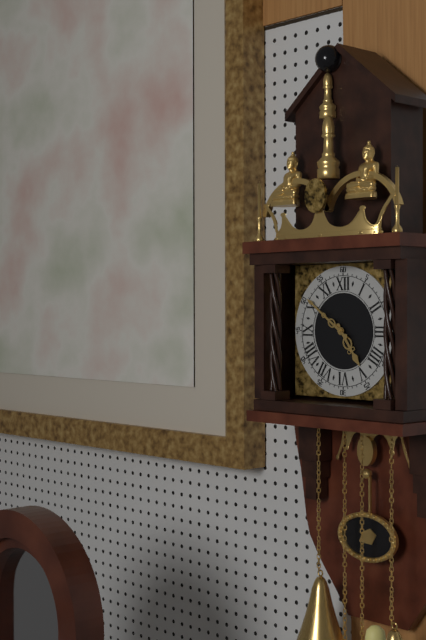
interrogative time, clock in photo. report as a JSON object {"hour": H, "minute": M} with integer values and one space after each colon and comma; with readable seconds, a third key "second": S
{"hour": 4, "minute": 51}
